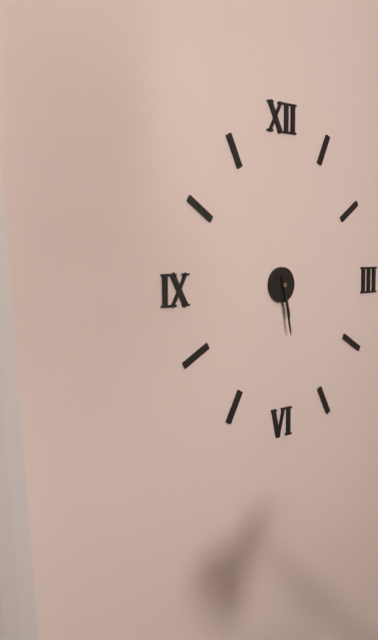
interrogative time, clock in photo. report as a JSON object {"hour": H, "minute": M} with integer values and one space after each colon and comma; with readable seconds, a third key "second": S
{"hour": 5, "minute": 28}
